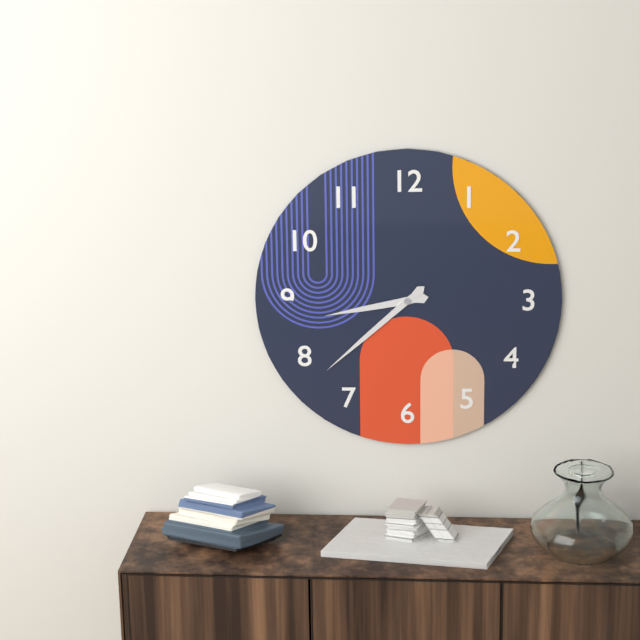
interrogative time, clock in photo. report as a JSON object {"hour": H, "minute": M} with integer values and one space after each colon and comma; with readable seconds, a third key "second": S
{"hour": 8, "minute": 38}
